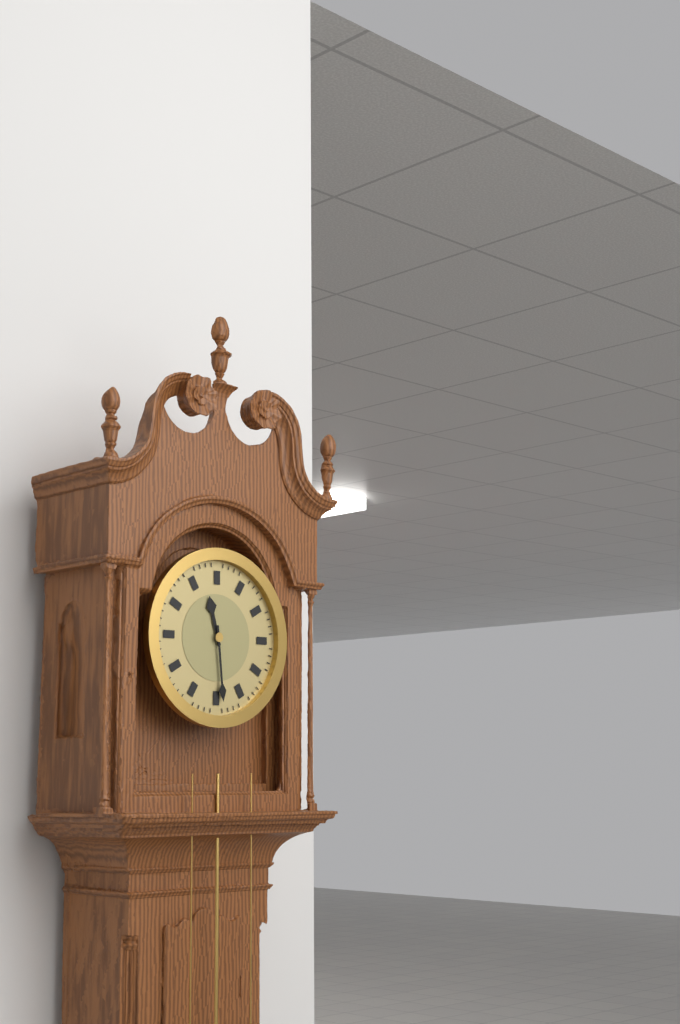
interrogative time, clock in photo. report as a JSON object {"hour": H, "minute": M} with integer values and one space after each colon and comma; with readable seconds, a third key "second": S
{"hour": 11, "minute": 29}
